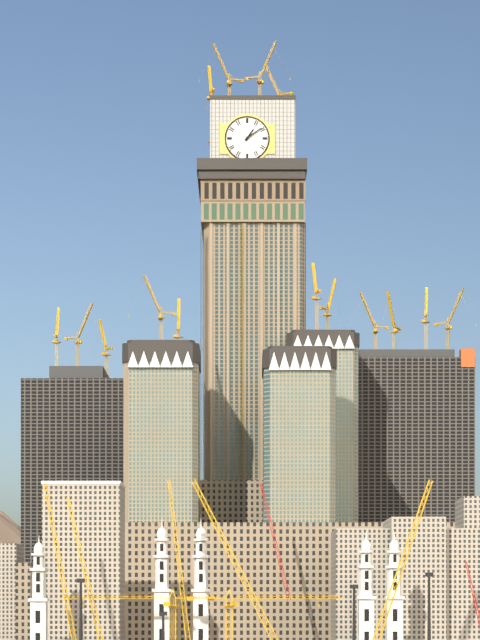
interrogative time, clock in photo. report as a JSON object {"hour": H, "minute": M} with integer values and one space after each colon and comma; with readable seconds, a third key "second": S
{"hour": 1, "minute": 9}
